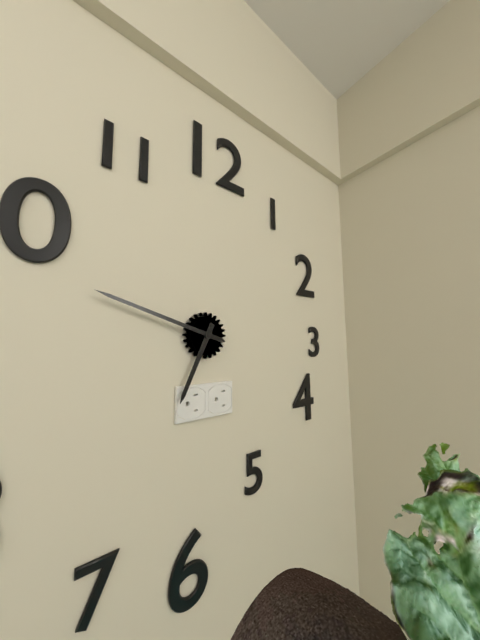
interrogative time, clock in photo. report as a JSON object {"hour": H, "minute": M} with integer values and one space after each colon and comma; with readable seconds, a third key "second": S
{"hour": 6, "minute": 48}
